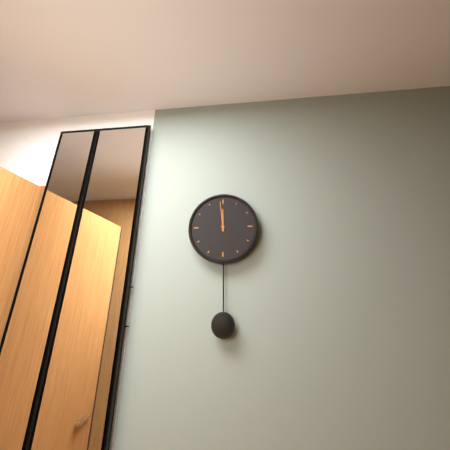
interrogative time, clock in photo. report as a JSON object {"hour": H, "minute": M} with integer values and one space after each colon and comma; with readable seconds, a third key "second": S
{"hour": 11, "minute": 59}
